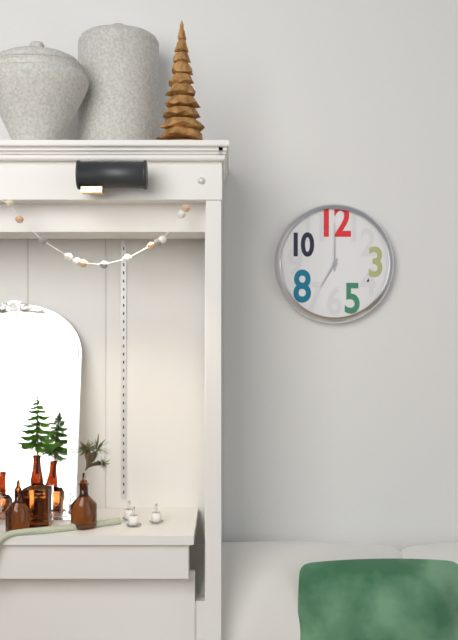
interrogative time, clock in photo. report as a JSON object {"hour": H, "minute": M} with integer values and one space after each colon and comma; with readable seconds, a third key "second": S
{"hour": 7, "minute": 0}
